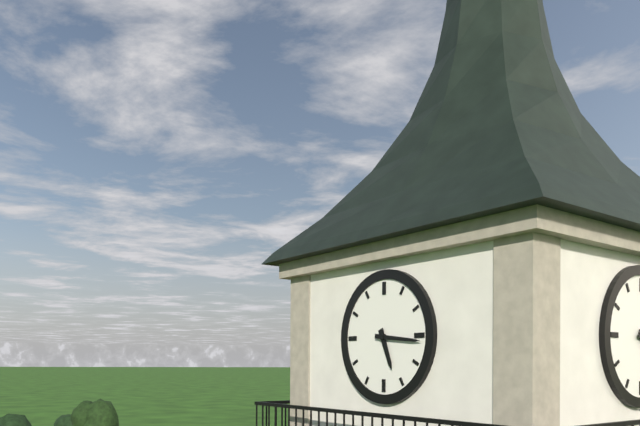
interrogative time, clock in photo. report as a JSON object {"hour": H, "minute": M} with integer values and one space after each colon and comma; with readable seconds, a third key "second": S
{"hour": 5, "minute": 16}
